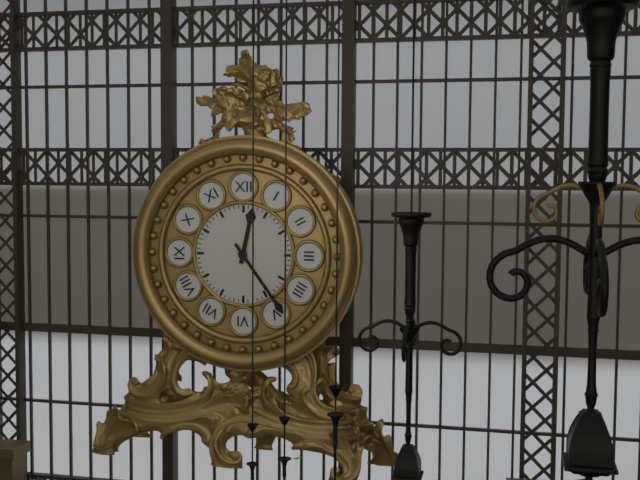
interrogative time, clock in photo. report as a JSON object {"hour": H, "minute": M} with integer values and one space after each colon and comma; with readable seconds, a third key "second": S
{"hour": 12, "minute": 24}
